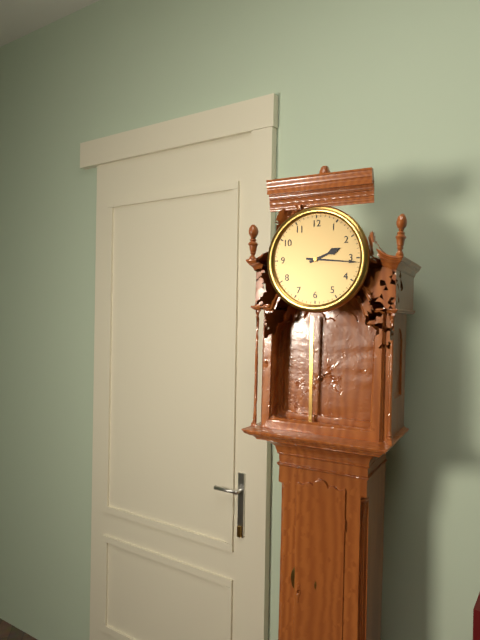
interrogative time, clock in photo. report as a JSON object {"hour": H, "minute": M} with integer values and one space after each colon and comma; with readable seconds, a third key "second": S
{"hour": 2, "minute": 16}
